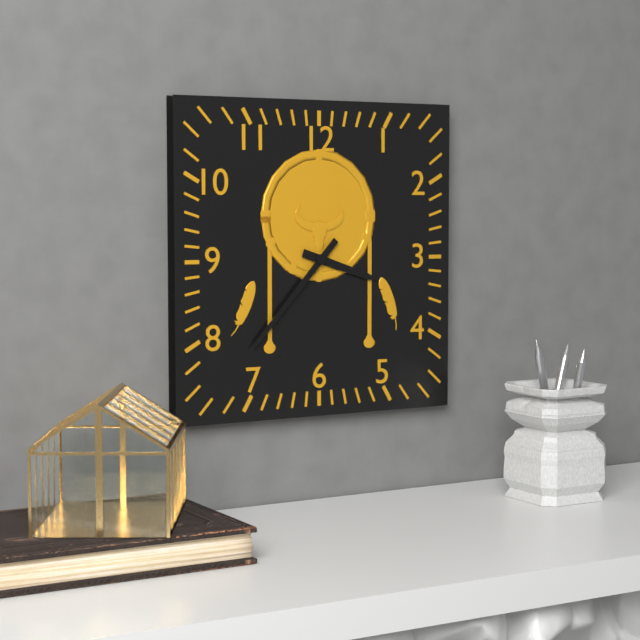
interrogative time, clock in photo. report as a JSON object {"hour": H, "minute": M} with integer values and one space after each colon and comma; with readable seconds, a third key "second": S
{"hour": 3, "minute": 37}
